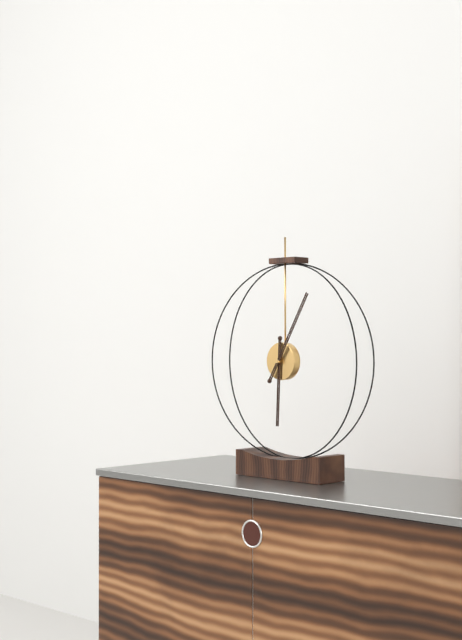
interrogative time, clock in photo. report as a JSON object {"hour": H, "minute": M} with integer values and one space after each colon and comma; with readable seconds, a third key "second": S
{"hour": 6, "minute": 5}
